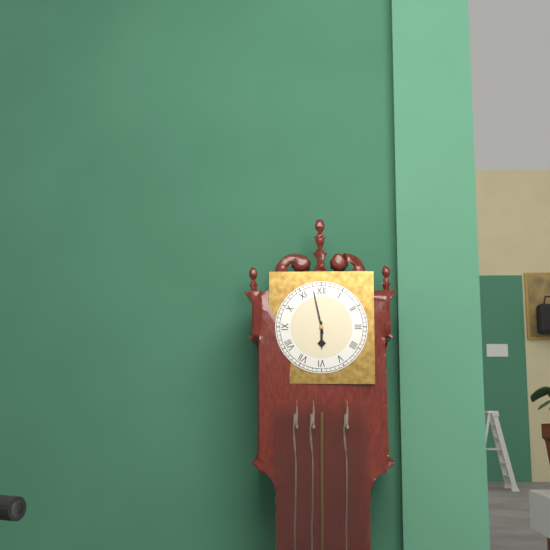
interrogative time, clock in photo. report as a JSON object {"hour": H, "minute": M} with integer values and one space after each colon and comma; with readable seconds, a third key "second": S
{"hour": 5, "minute": 58}
